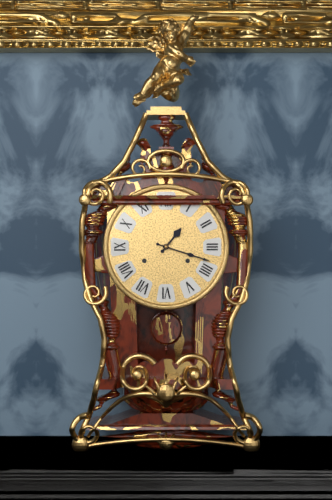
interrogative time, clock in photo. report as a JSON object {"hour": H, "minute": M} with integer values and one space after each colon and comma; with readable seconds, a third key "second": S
{"hour": 1, "minute": 18}
